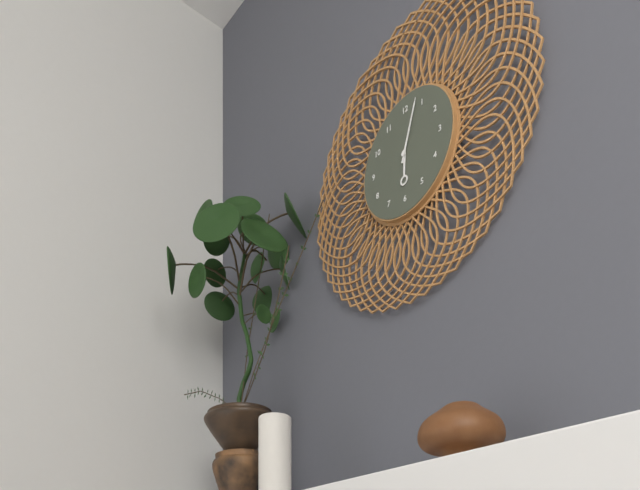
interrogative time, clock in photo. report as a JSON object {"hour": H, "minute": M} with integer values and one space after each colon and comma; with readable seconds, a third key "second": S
{"hour": 6, "minute": 3}
